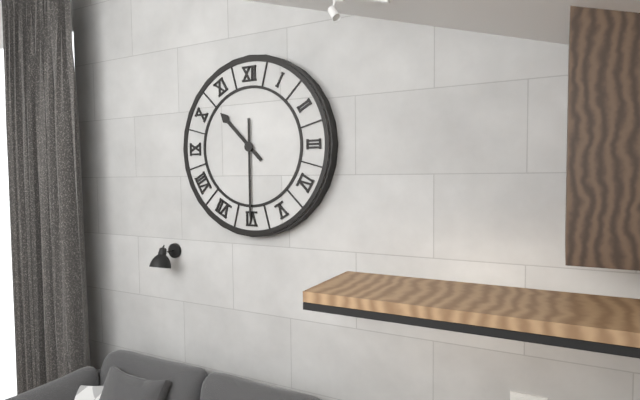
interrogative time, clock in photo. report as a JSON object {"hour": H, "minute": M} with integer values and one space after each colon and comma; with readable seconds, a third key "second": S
{"hour": 10, "minute": 30}
